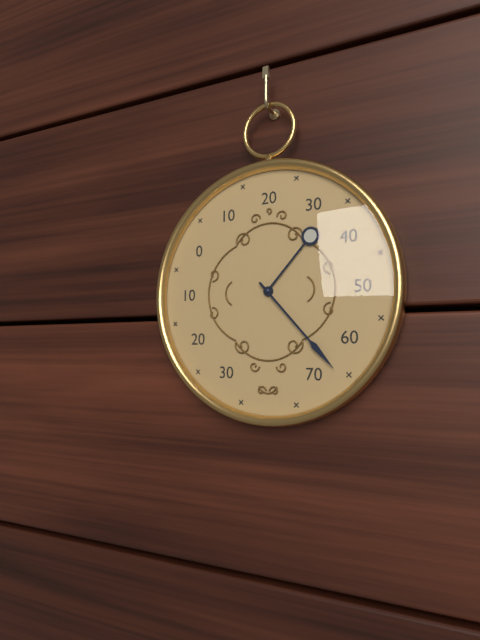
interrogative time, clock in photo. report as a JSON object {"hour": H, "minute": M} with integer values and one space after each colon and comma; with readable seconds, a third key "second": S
{"hour": 1, "minute": 23}
